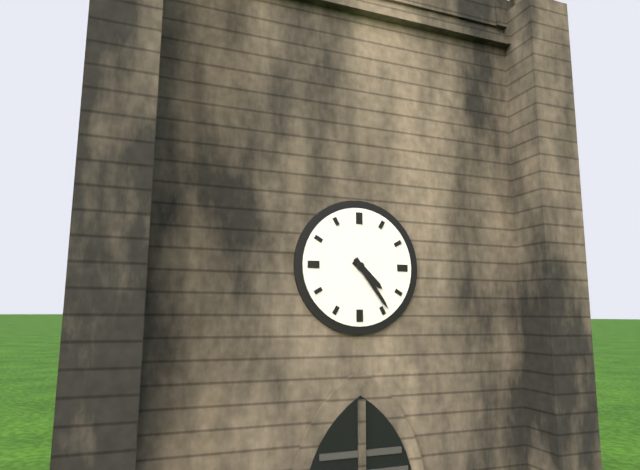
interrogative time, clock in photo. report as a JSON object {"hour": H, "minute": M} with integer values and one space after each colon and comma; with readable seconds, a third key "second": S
{"hour": 4, "minute": 24}
